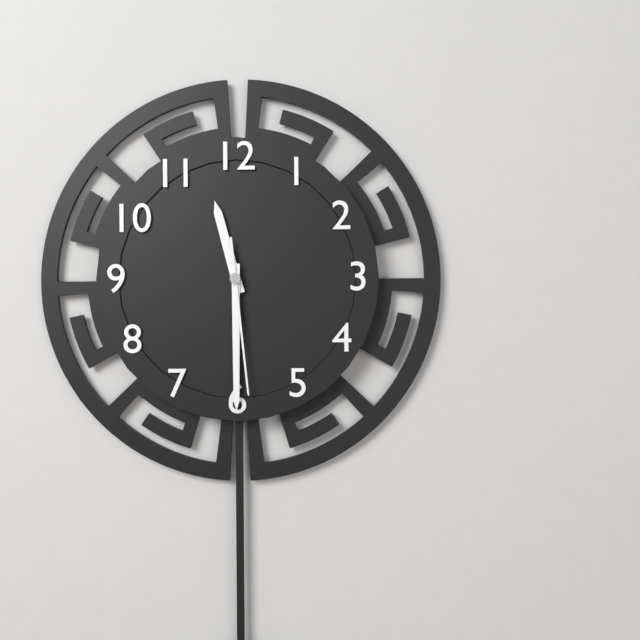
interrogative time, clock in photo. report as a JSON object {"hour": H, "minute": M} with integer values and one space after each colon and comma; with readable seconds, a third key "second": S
{"hour": 11, "minute": 30, "second": 29}
